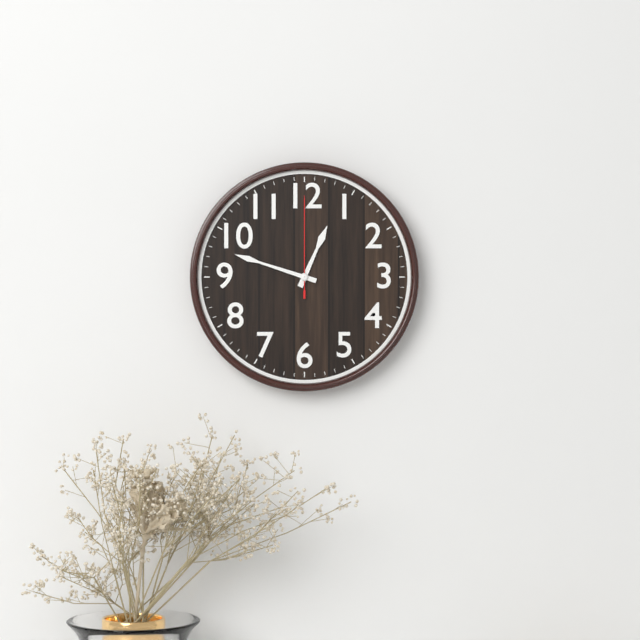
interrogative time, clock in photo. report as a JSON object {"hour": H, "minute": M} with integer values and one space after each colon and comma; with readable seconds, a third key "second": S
{"hour": 12, "minute": 48, "second": 0}
